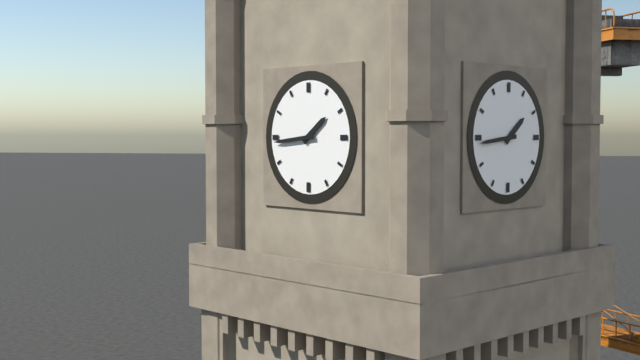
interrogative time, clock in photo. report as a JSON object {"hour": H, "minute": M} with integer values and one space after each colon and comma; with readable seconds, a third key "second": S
{"hour": 1, "minute": 44}
